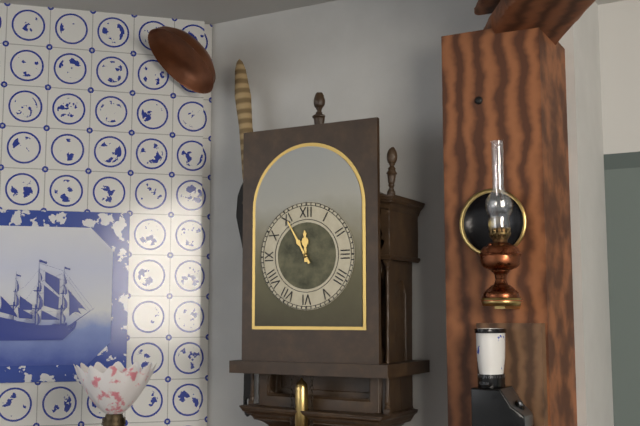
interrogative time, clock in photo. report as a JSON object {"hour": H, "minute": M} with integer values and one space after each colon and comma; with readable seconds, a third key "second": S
{"hour": 11, "minute": 55}
